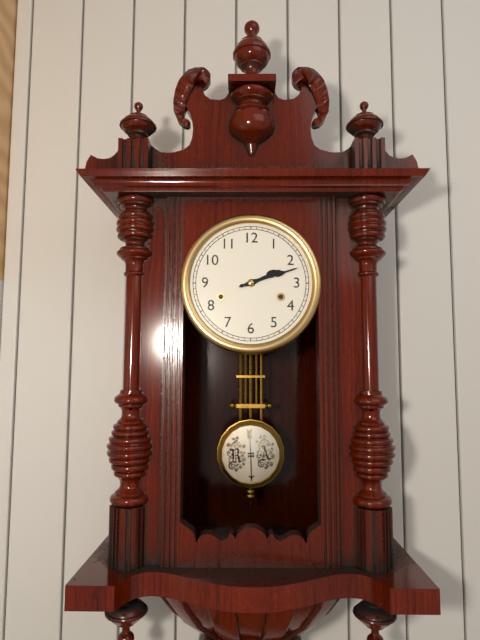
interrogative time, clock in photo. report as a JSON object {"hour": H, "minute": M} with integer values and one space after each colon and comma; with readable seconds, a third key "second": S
{"hour": 2, "minute": 12}
